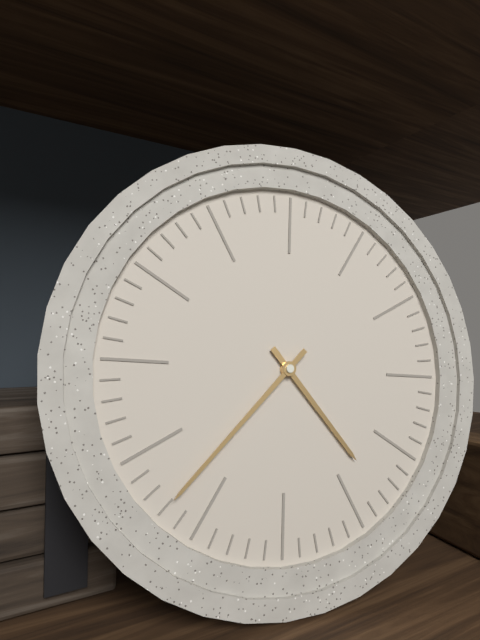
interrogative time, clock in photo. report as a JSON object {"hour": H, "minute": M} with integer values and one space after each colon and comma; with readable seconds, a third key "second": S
{"hour": 4, "minute": 37}
